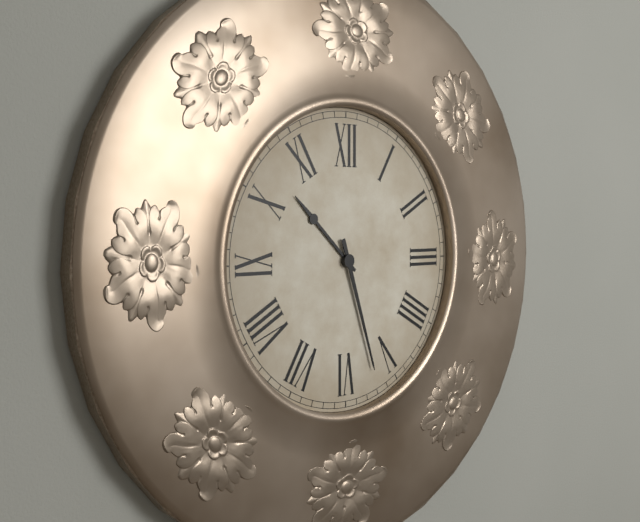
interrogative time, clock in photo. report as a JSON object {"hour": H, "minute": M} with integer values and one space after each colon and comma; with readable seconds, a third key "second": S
{"hour": 10, "minute": 27}
